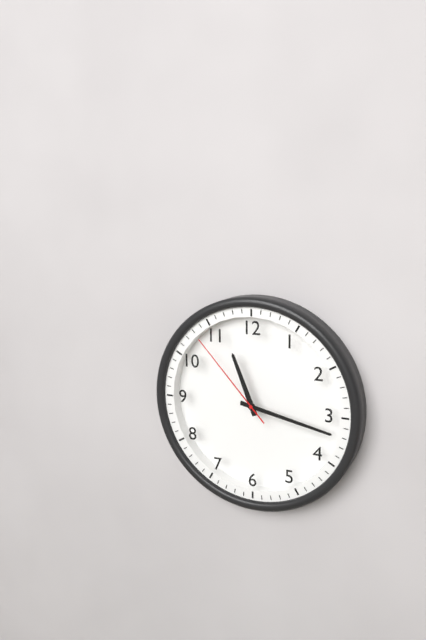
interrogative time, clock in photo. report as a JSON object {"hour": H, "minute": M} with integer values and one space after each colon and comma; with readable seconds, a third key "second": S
{"hour": 11, "minute": 17, "second": 53}
